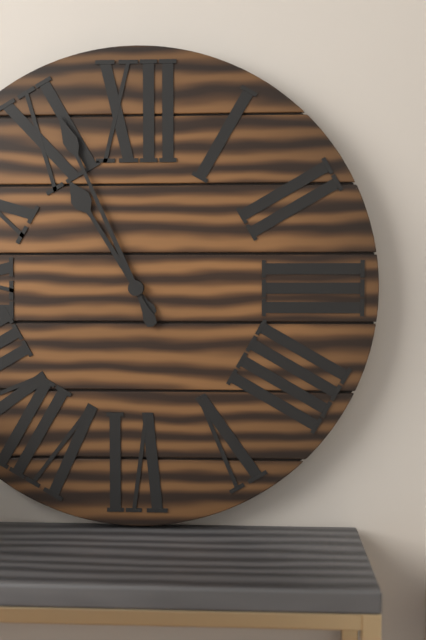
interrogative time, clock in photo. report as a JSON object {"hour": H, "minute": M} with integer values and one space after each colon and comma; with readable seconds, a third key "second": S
{"hour": 10, "minute": 56}
